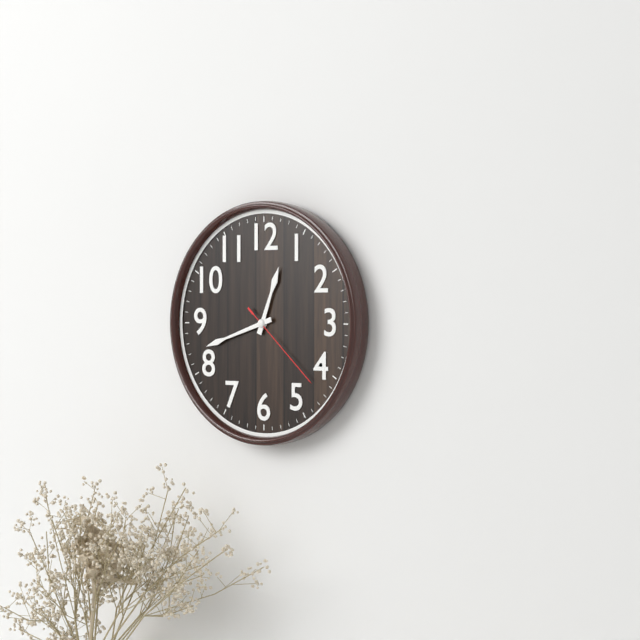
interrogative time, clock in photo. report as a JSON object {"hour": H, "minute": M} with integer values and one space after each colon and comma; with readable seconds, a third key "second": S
{"hour": 12, "minute": 42, "second": 22}
